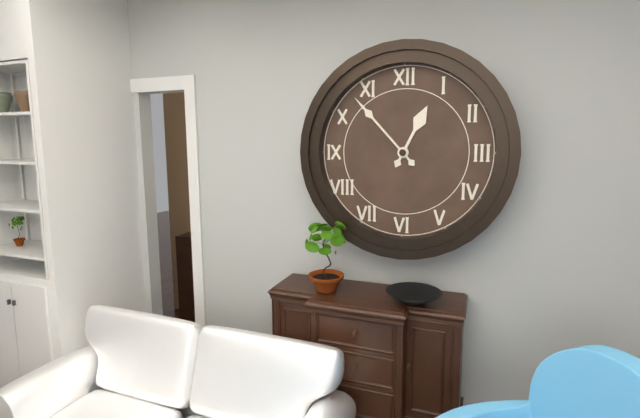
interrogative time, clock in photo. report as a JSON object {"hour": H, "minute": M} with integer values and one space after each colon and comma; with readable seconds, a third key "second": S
{"hour": 12, "minute": 53}
